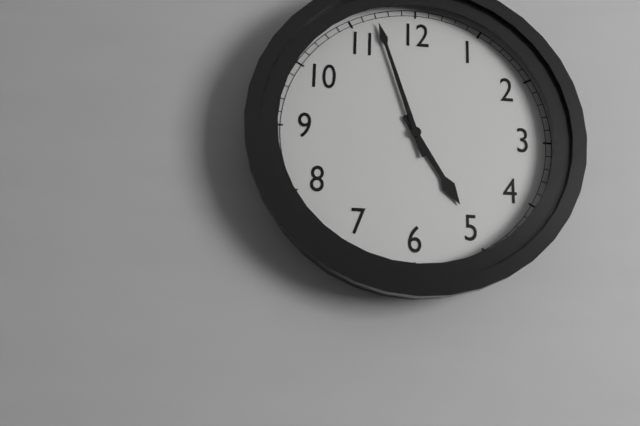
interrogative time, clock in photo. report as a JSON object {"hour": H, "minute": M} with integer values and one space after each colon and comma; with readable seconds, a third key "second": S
{"hour": 4, "minute": 57}
